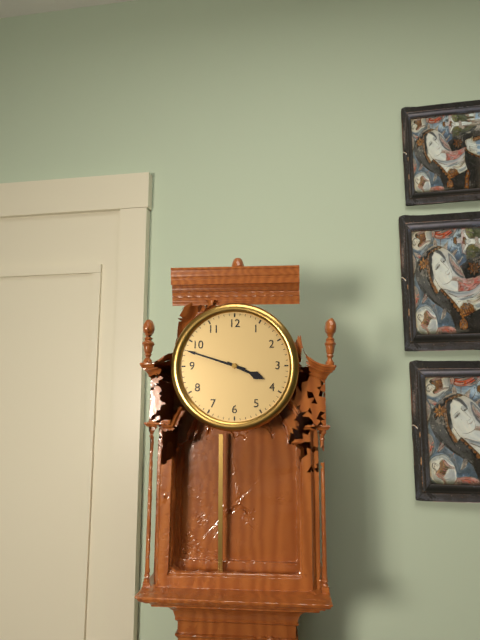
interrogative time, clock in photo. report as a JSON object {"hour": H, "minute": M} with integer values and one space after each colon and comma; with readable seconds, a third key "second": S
{"hour": 3, "minute": 48}
